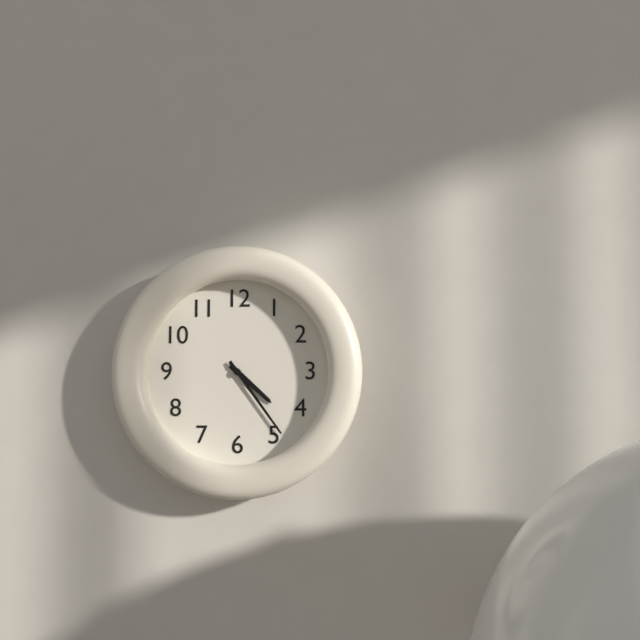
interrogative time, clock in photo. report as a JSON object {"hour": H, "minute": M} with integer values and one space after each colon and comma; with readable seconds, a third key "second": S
{"hour": 4, "minute": 24}
